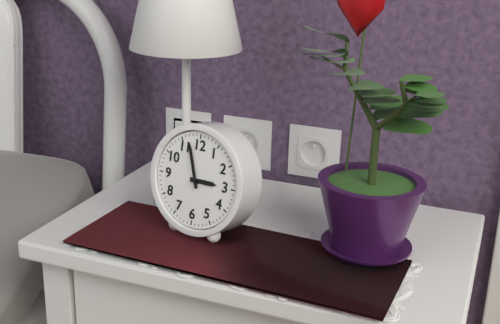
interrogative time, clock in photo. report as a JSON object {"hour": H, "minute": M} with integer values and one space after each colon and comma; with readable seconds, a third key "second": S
{"hour": 2, "minute": 57}
